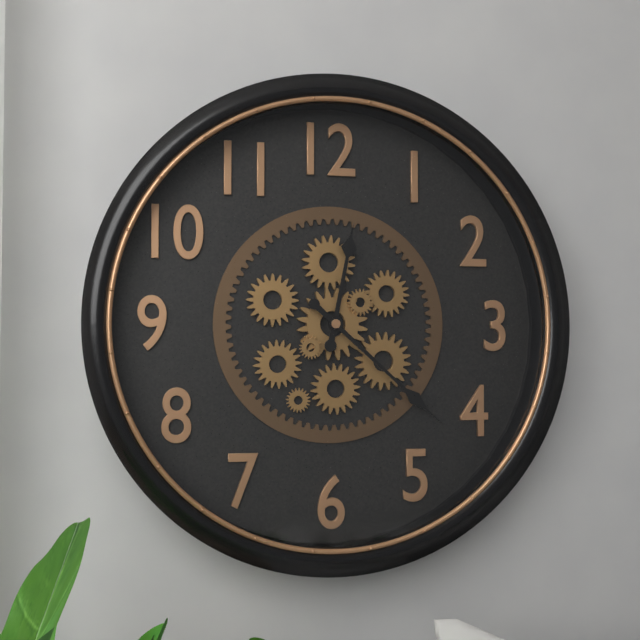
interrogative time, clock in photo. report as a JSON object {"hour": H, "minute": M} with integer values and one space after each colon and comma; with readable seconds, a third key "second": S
{"hour": 12, "minute": 22}
